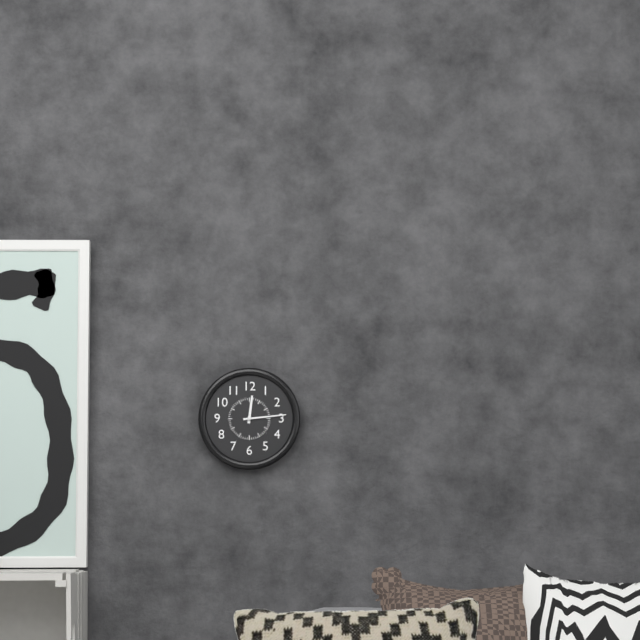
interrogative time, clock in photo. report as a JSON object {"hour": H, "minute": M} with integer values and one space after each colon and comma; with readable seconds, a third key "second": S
{"hour": 12, "minute": 14}
